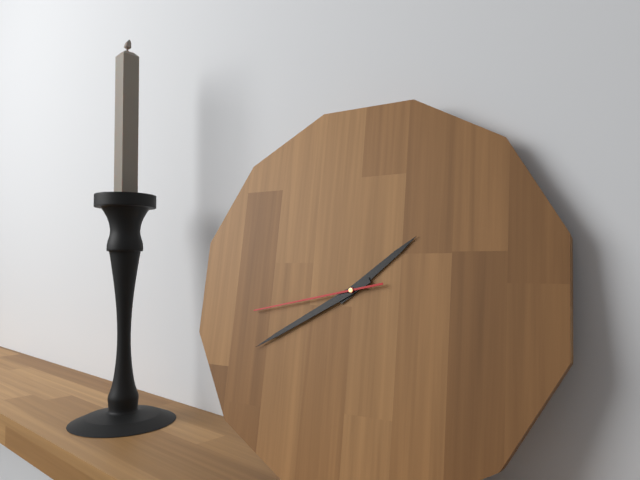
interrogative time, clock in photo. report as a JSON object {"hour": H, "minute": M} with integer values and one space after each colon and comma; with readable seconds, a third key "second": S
{"hour": 1, "minute": 40, "second": 43}
